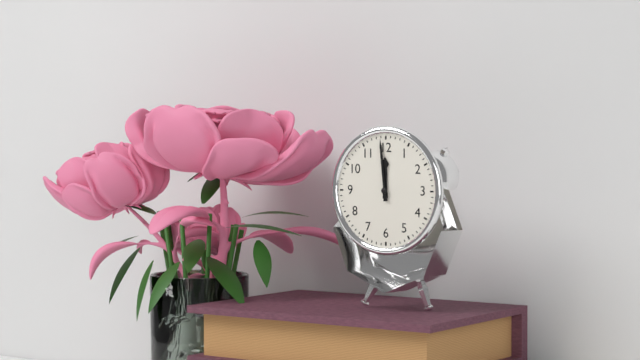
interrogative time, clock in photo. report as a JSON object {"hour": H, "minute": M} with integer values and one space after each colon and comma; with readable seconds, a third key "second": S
{"hour": 11, "minute": 59}
